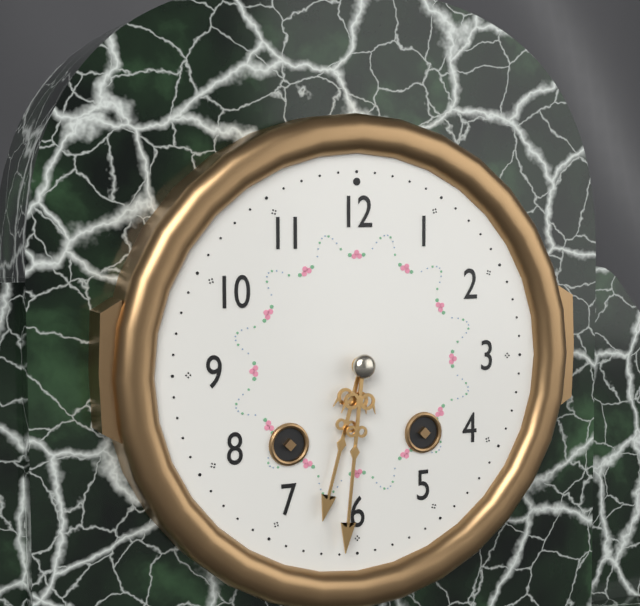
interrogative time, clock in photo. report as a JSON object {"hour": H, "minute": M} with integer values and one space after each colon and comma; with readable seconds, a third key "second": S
{"hour": 6, "minute": 31}
